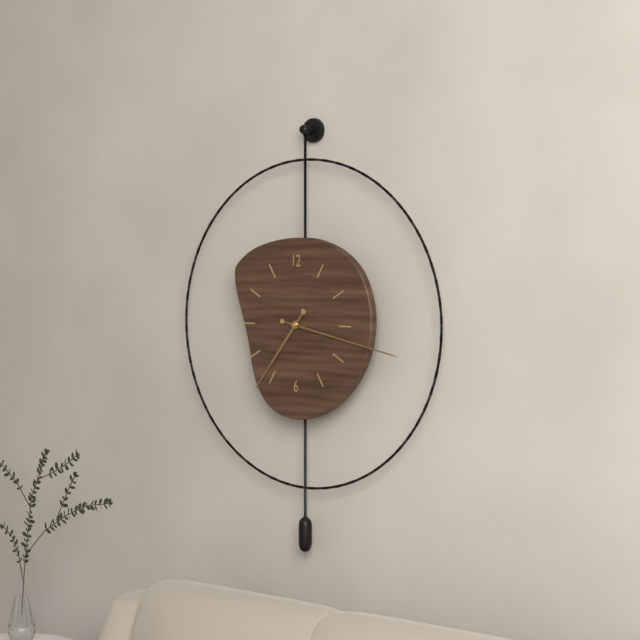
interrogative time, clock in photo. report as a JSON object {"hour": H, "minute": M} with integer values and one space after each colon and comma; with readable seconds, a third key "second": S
{"hour": 7, "minute": 17}
